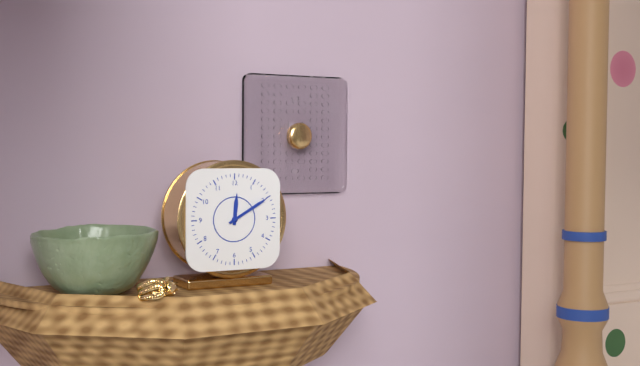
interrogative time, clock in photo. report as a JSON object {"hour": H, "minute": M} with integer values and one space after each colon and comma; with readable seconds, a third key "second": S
{"hour": 12, "minute": 10}
